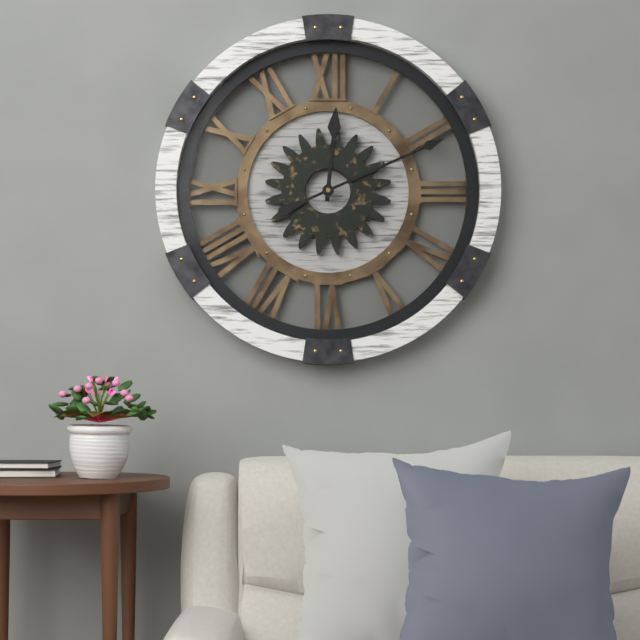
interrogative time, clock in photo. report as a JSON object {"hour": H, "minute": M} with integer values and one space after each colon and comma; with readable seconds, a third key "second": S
{"hour": 12, "minute": 11}
